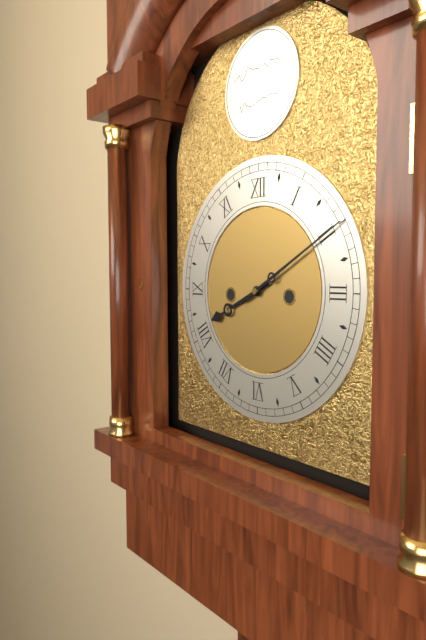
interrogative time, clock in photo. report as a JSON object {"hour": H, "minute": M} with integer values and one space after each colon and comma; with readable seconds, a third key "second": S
{"hour": 8, "minute": 10}
